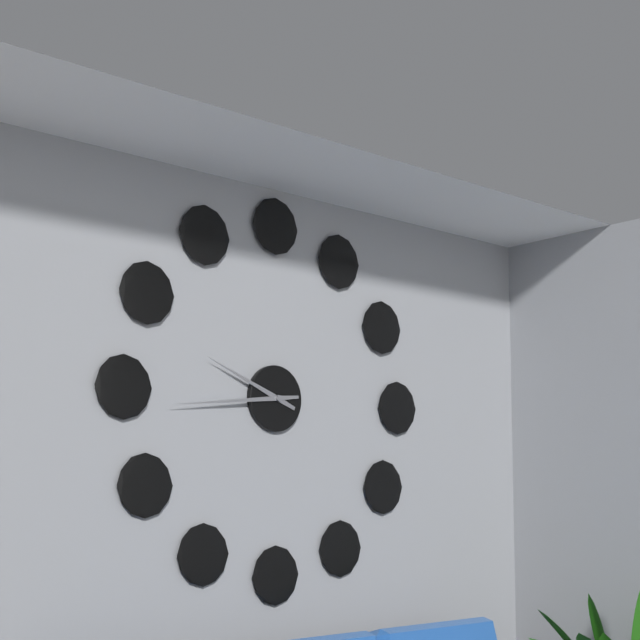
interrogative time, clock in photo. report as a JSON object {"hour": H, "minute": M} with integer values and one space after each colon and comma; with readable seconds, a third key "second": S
{"hour": 9, "minute": 44}
